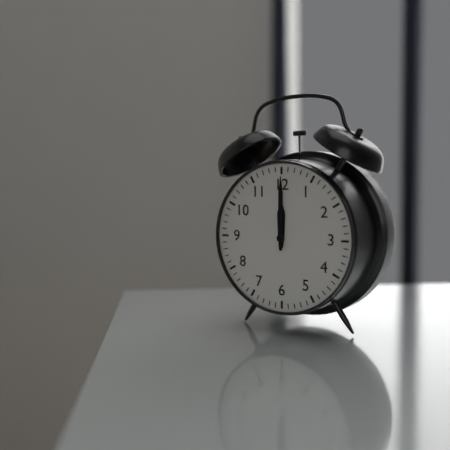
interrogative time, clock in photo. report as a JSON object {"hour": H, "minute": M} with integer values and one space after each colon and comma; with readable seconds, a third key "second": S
{"hour": 12, "minute": 0}
